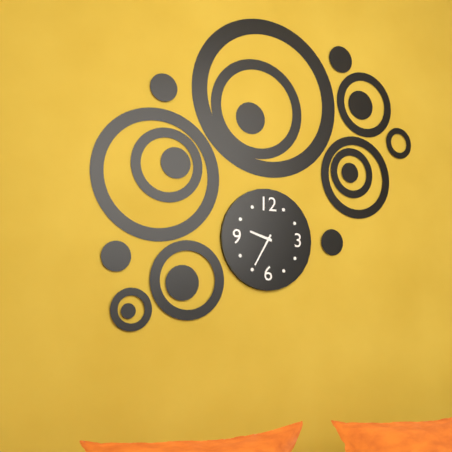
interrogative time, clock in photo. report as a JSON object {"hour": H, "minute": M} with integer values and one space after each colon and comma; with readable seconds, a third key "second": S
{"hour": 9, "minute": 35}
